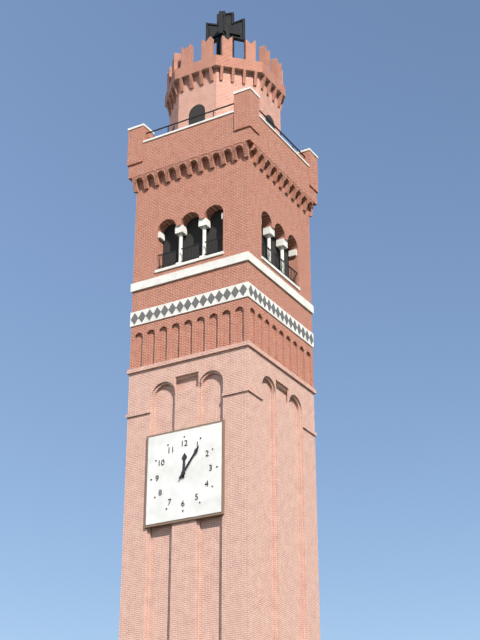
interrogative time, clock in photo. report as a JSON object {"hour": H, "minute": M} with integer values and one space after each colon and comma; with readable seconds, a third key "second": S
{"hour": 12, "minute": 6}
